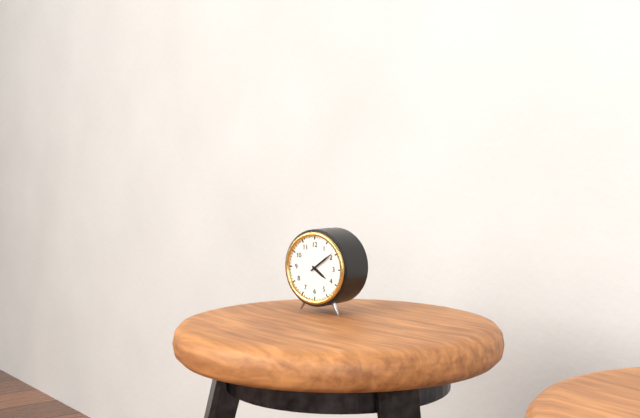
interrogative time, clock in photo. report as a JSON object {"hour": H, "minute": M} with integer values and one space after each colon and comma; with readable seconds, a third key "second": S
{"hour": 4, "minute": 9}
